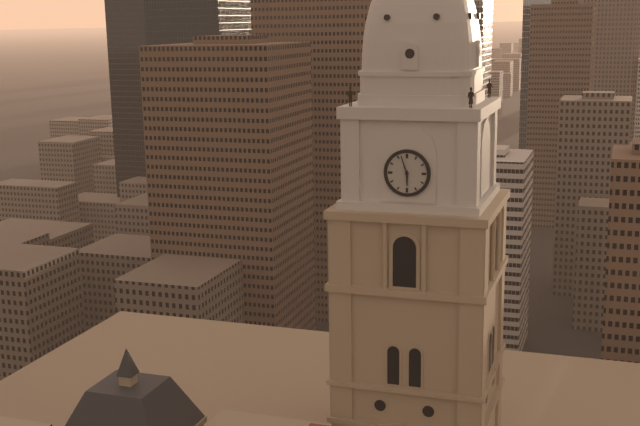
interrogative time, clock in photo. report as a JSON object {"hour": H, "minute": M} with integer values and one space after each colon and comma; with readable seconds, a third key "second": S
{"hour": 5, "minute": 57}
